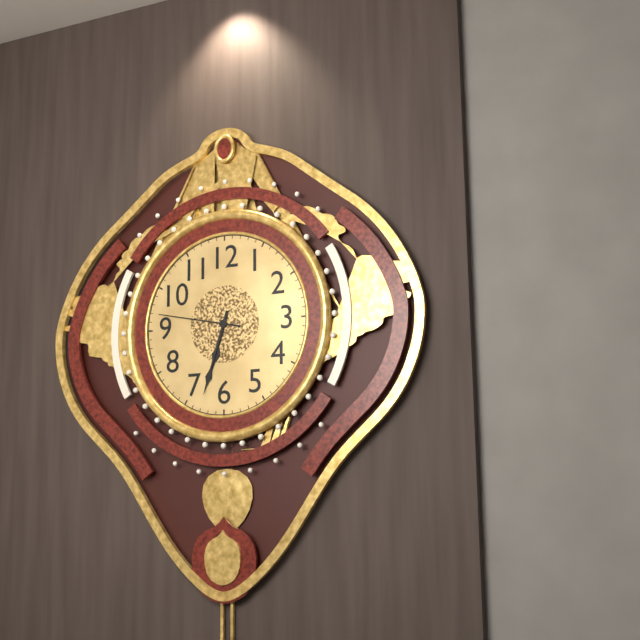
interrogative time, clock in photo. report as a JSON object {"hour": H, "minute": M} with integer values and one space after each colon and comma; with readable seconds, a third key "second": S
{"hour": 6, "minute": 33, "second": 47}
